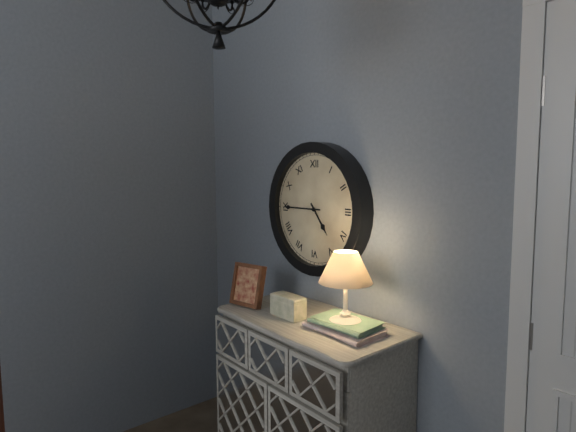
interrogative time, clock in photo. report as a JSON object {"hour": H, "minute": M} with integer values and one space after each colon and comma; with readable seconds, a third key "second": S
{"hour": 4, "minute": 45}
